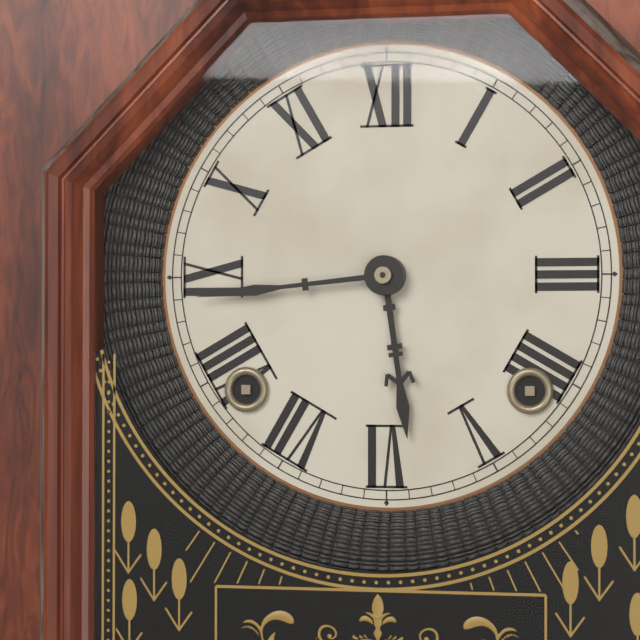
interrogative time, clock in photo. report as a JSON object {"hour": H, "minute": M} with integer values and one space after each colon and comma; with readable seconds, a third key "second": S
{"hour": 5, "minute": 44}
